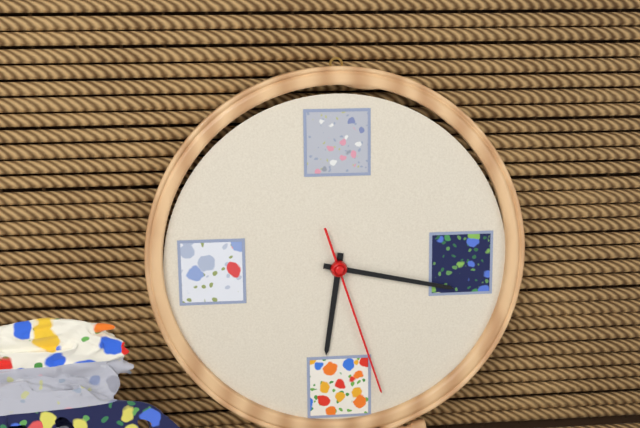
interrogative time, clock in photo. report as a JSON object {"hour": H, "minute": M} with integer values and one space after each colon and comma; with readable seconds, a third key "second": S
{"hour": 6, "minute": 17, "second": 27}
